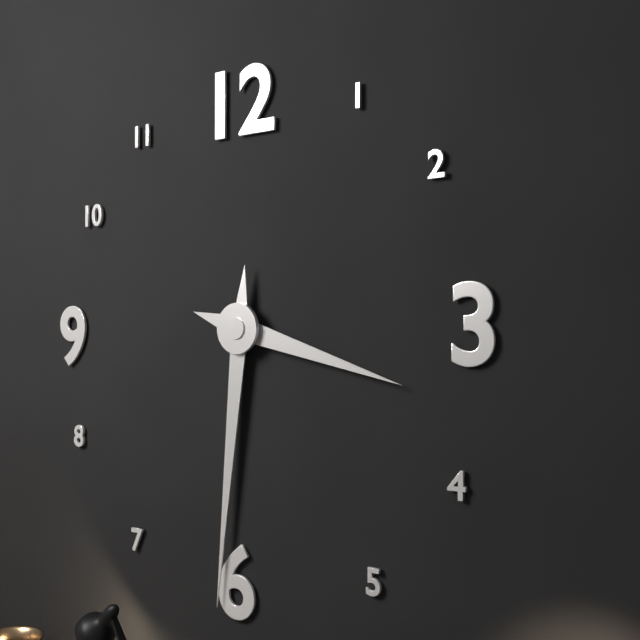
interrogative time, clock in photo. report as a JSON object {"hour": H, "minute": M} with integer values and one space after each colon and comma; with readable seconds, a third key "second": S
{"hour": 3, "minute": 31}
